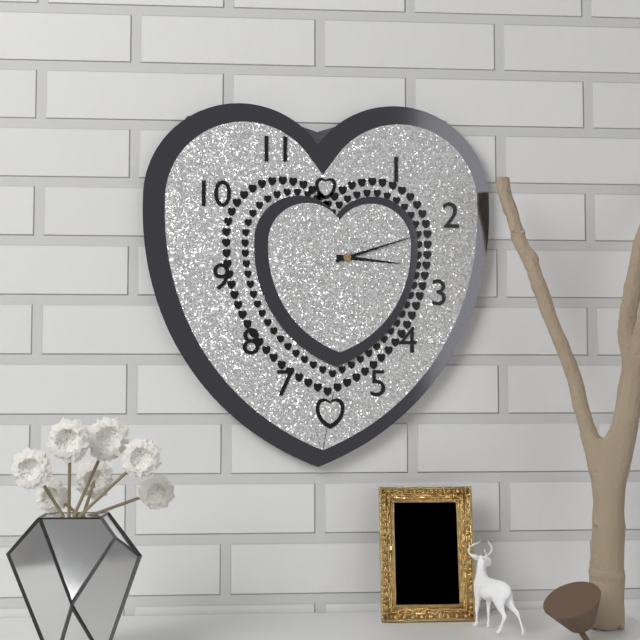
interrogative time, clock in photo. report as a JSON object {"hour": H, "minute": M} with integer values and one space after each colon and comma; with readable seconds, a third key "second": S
{"hour": 3, "minute": 12}
